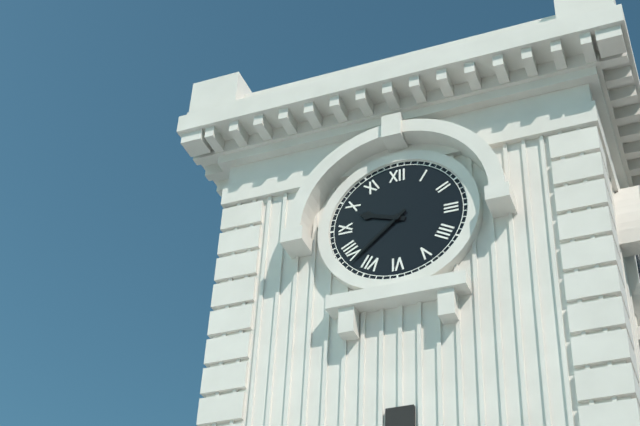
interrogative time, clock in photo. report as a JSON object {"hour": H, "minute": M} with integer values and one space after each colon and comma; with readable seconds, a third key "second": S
{"hour": 9, "minute": 38}
